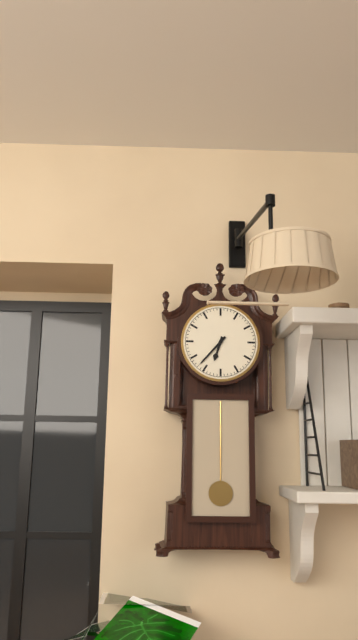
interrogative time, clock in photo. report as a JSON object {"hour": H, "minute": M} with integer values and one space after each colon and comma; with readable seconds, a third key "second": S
{"hour": 6, "minute": 37}
